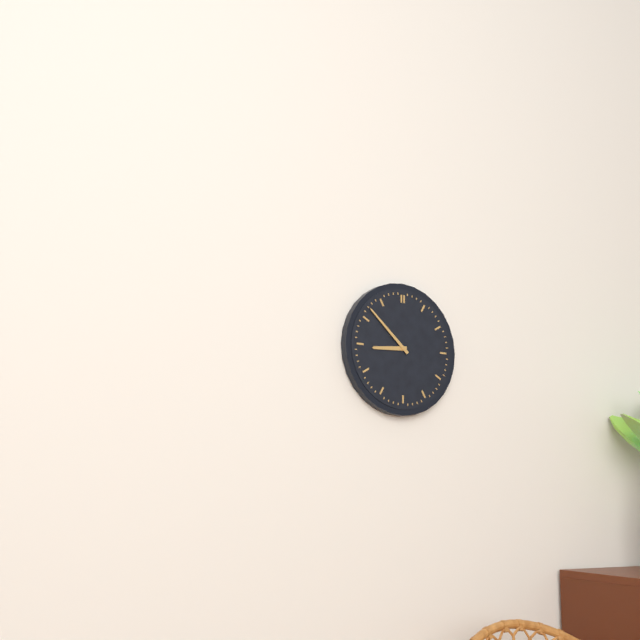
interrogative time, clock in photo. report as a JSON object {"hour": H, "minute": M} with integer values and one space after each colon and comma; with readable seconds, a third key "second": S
{"hour": 8, "minute": 52}
